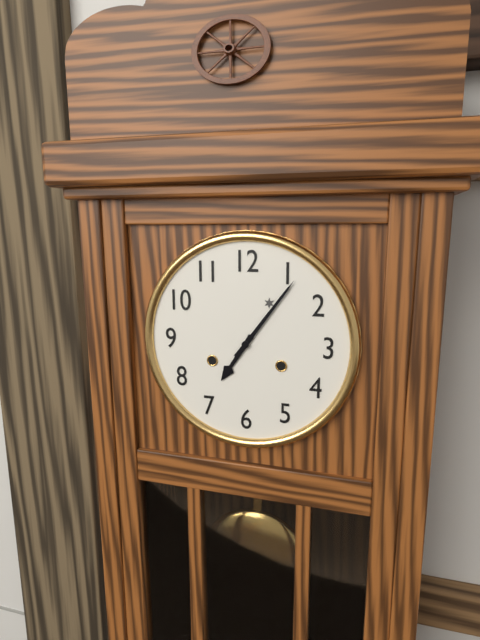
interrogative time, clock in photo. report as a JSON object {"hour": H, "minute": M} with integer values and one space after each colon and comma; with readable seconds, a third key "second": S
{"hour": 7, "minute": 6}
